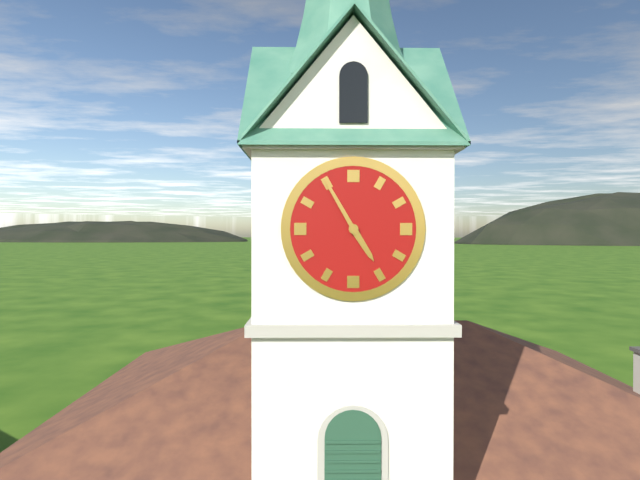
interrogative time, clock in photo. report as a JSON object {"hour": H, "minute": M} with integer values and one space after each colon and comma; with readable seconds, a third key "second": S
{"hour": 4, "minute": 55}
